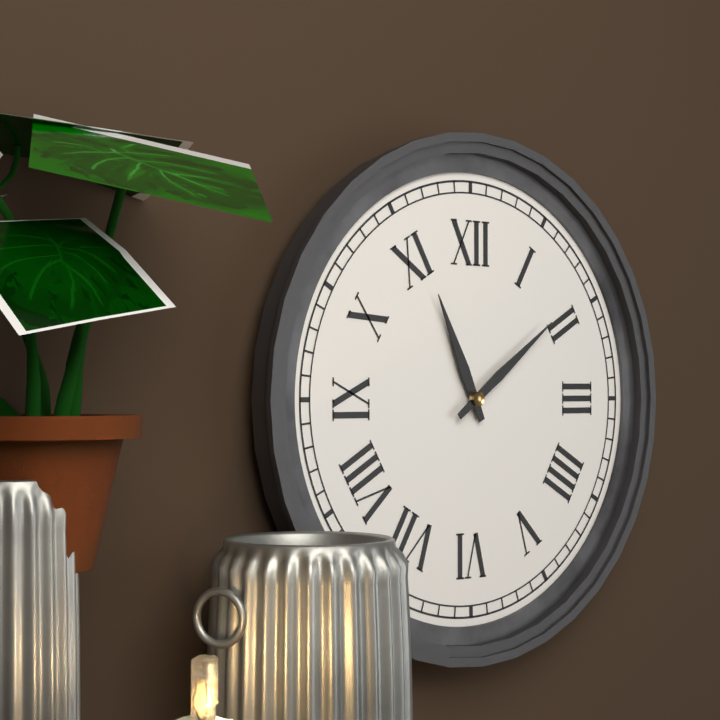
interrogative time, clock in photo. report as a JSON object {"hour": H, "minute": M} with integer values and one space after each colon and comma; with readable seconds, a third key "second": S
{"hour": 11, "minute": 9}
